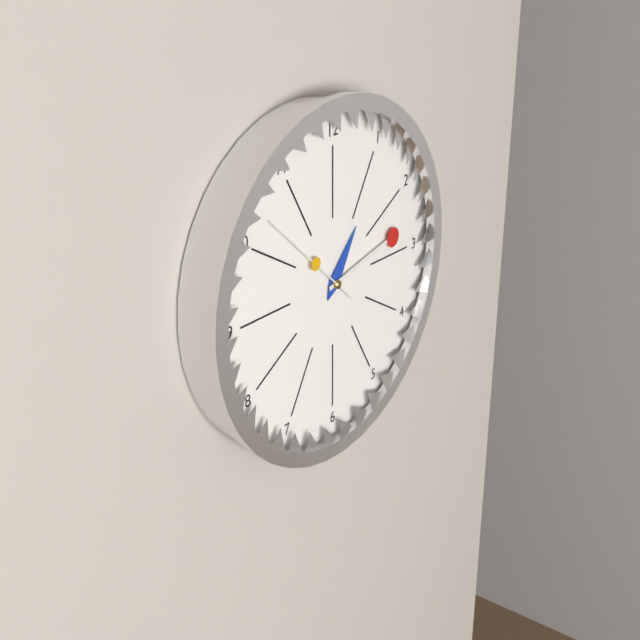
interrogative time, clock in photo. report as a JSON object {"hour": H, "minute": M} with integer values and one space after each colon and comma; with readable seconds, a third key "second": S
{"hour": 1, "minute": 13, "second": 52}
